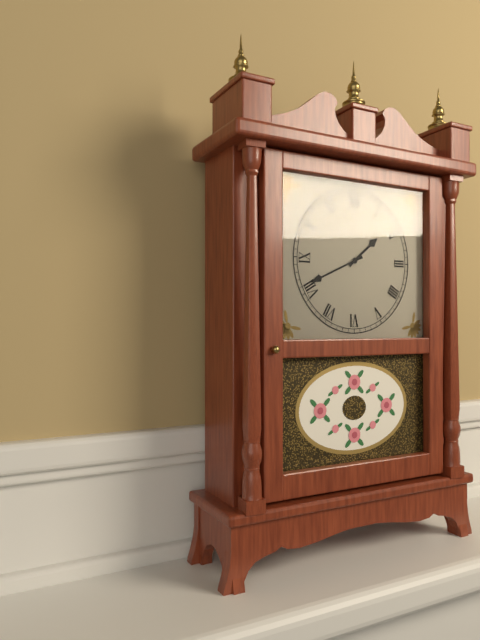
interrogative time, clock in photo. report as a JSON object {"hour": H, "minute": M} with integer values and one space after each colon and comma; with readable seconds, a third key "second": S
{"hour": 1, "minute": 41}
